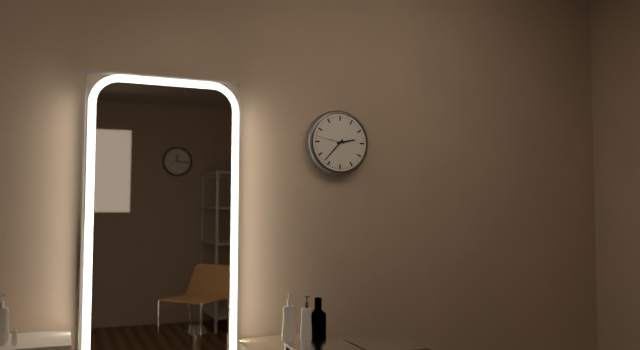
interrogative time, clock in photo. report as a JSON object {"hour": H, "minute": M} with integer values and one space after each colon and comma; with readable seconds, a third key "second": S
{"hour": 2, "minute": 37}
